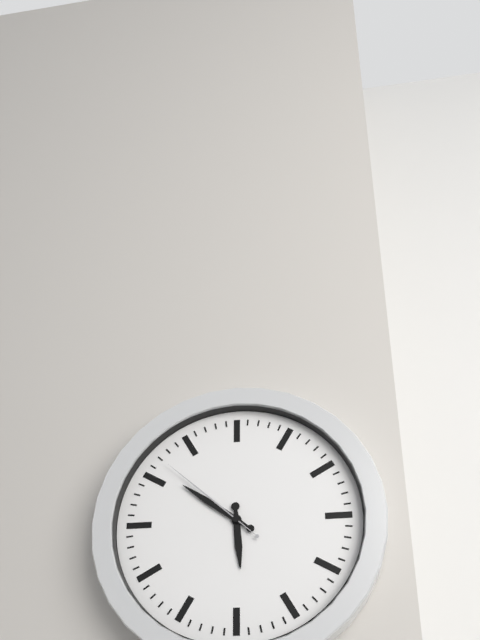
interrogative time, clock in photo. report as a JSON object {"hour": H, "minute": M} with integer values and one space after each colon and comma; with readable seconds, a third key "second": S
{"hour": 5, "minute": 51, "second": 52}
